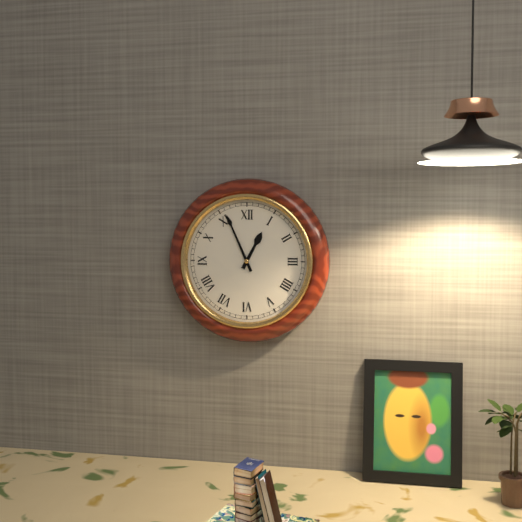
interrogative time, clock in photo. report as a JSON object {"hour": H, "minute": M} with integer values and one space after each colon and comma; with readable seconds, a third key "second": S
{"hour": 12, "minute": 56}
